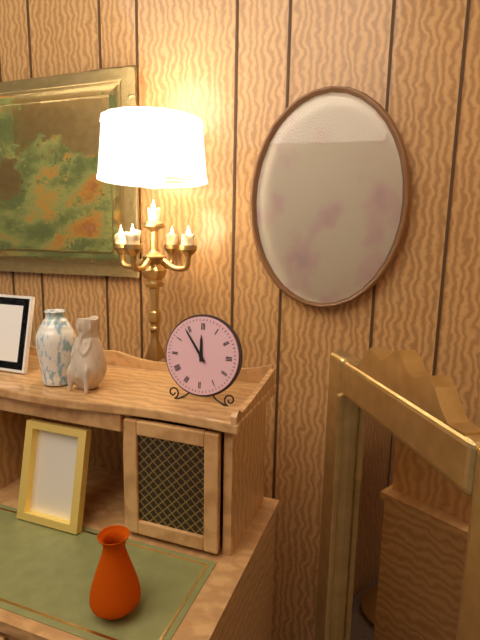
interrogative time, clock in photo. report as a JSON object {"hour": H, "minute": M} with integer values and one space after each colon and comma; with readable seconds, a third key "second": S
{"hour": 11, "minute": 54}
